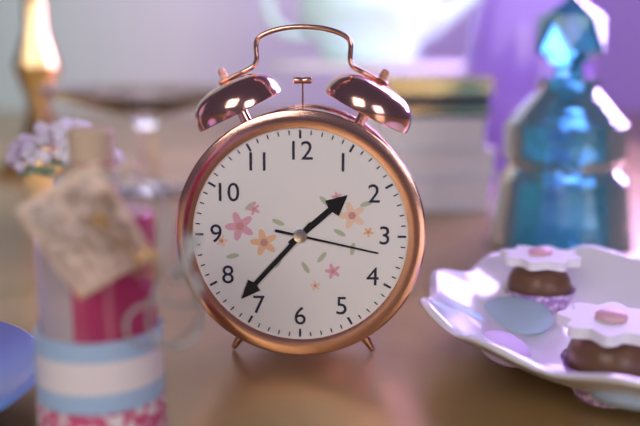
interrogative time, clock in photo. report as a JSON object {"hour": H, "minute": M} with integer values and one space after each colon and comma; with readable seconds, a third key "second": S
{"hour": 1, "minute": 37, "second": 17}
